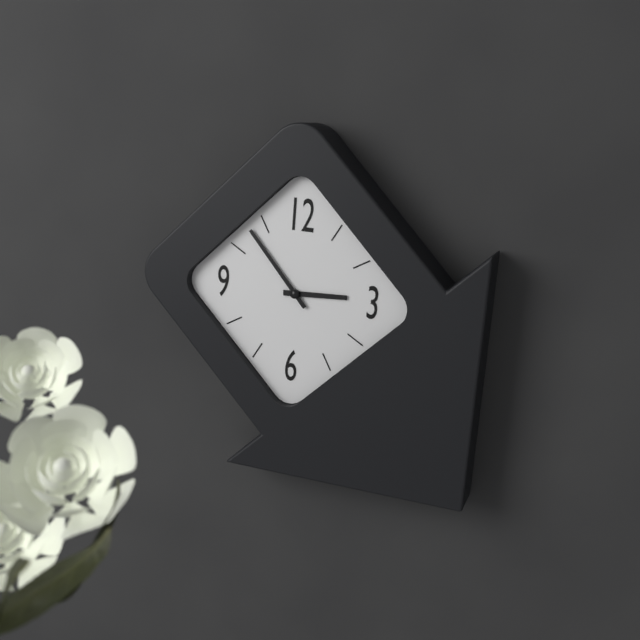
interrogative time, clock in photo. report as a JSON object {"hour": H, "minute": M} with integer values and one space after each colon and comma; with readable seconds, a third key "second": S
{"hour": 2, "minute": 53}
